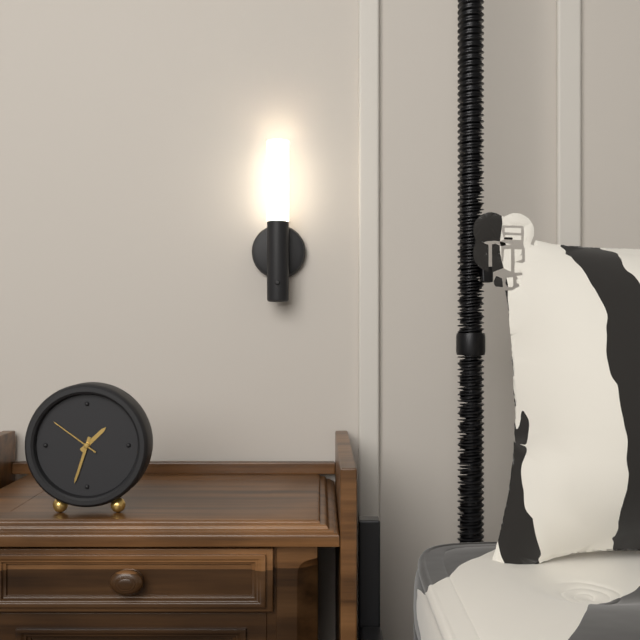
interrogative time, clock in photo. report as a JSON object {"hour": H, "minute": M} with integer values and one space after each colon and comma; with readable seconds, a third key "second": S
{"hour": 1, "minute": 33, "second": 51}
